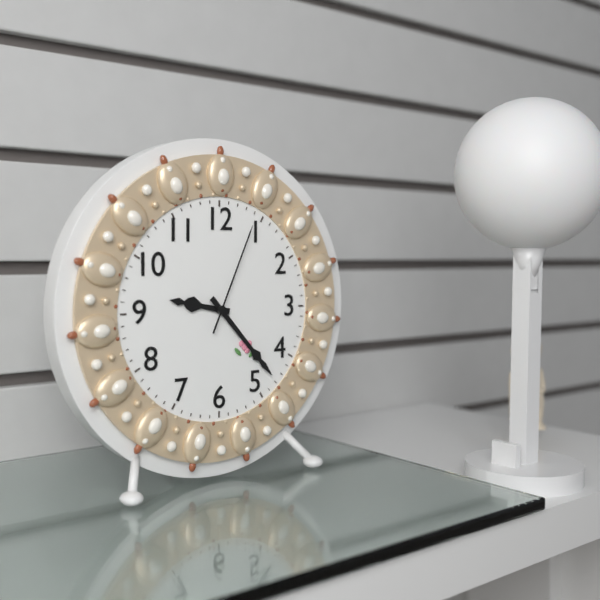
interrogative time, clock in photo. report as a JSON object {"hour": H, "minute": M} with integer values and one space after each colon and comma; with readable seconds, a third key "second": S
{"hour": 9, "minute": 23, "second": 4}
